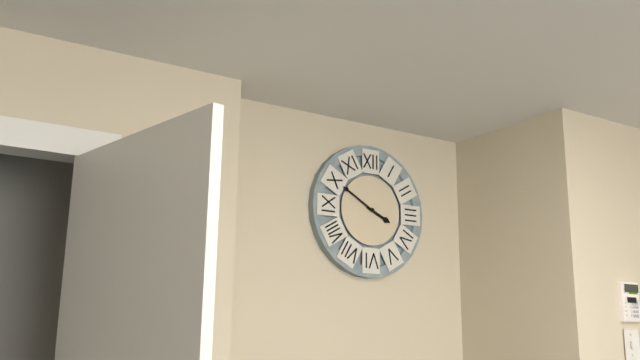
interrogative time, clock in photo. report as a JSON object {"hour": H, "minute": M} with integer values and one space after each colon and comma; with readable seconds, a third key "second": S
{"hour": 3, "minute": 50}
